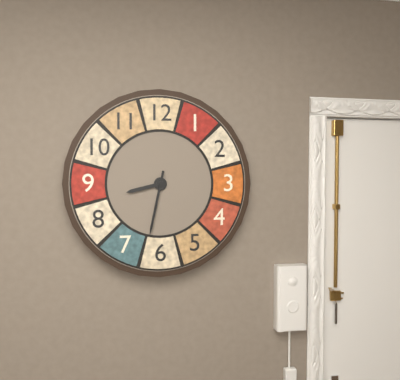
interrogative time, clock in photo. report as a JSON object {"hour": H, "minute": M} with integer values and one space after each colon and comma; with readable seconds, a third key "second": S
{"hour": 8, "minute": 32}
